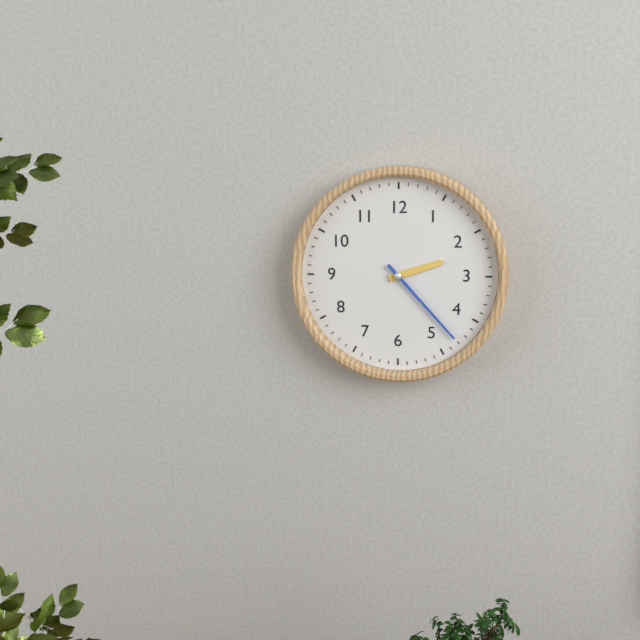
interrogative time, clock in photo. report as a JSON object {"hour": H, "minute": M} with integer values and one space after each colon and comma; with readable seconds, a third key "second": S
{"hour": 2, "minute": 23}
